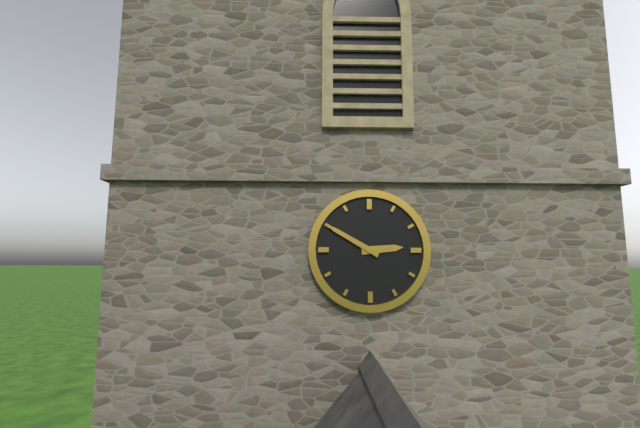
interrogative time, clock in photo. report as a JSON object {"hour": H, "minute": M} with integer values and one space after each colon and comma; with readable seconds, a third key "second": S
{"hour": 2, "minute": 50}
